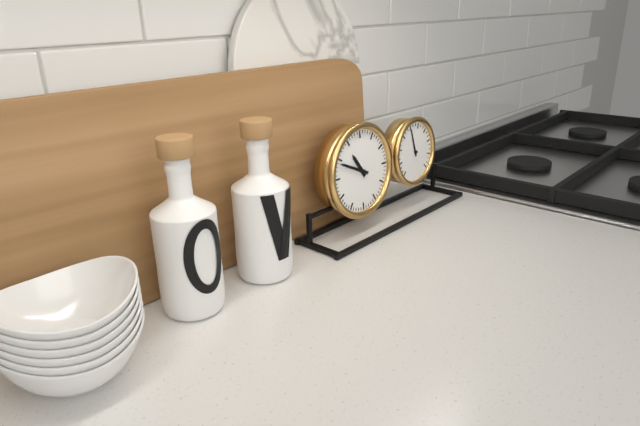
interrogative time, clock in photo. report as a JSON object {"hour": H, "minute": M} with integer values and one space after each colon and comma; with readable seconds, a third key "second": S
{"hour": 10, "minute": 49}
